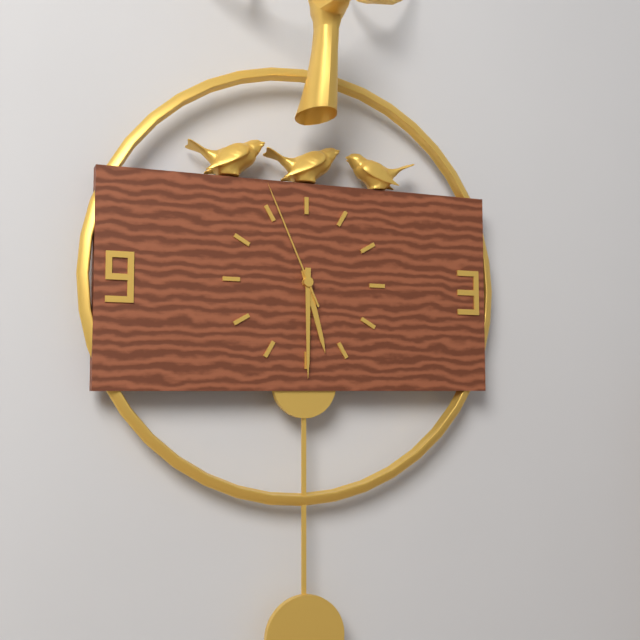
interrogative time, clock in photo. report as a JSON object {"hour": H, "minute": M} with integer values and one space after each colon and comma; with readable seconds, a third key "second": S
{"hour": 5, "minute": 30, "second": 56}
